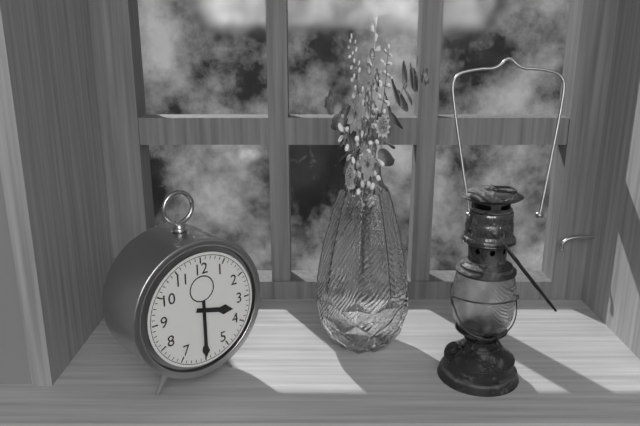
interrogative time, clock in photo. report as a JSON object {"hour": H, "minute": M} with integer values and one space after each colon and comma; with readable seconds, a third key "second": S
{"hour": 3, "minute": 30}
